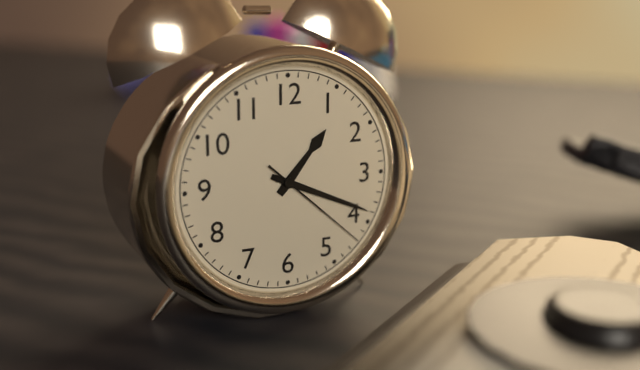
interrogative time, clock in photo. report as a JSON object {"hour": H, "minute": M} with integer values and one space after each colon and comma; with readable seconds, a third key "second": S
{"hour": 1, "minute": 19, "second": 22}
